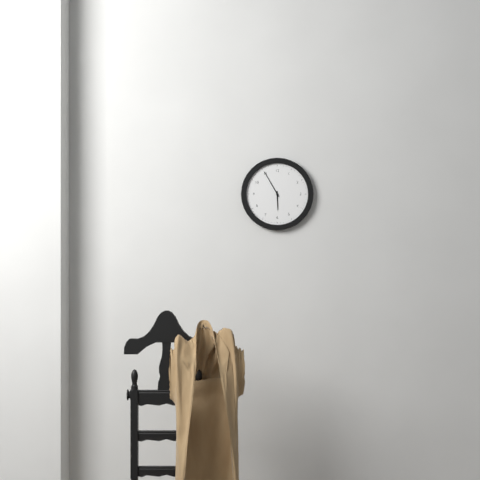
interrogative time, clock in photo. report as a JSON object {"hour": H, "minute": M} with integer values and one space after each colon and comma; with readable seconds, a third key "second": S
{"hour": 5, "minute": 55}
